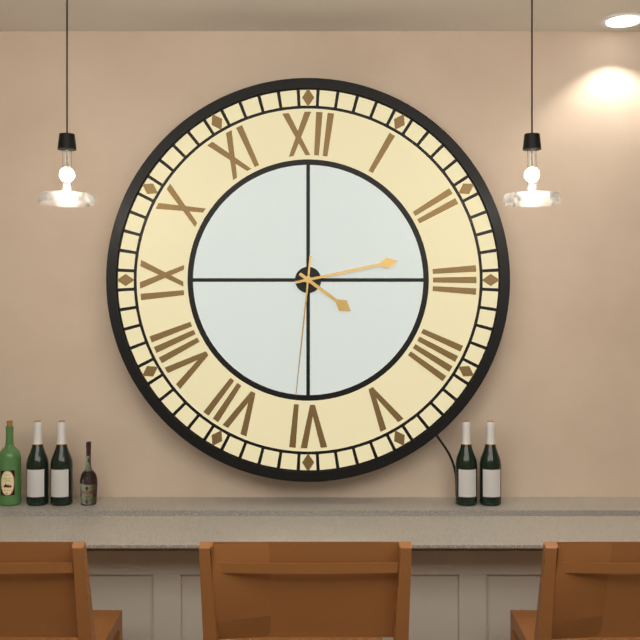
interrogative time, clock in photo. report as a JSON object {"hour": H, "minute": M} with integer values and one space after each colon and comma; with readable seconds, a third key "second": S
{"hour": 4, "minute": 13, "second": 31}
